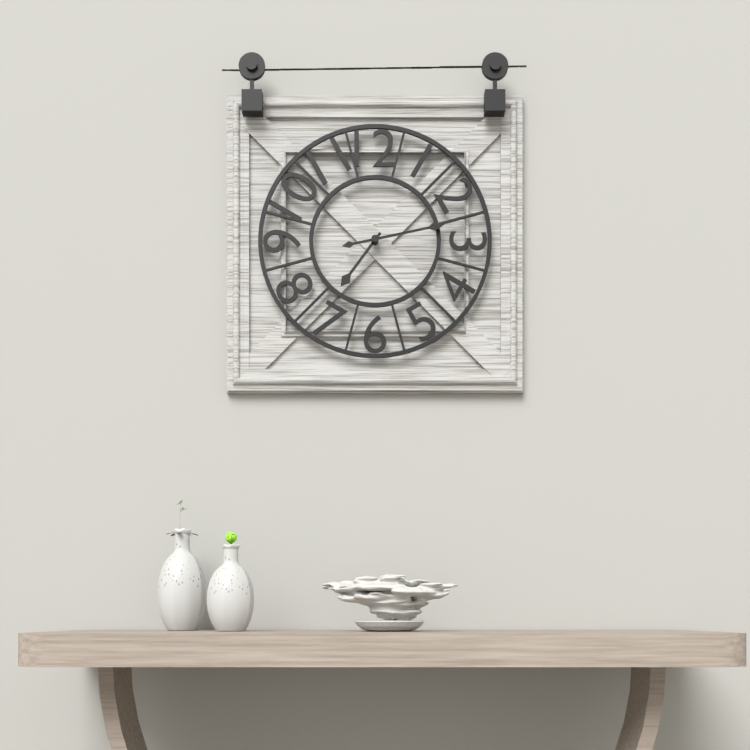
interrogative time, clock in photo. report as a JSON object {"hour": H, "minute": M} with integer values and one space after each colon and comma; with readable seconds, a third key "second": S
{"hour": 7, "minute": 13}
